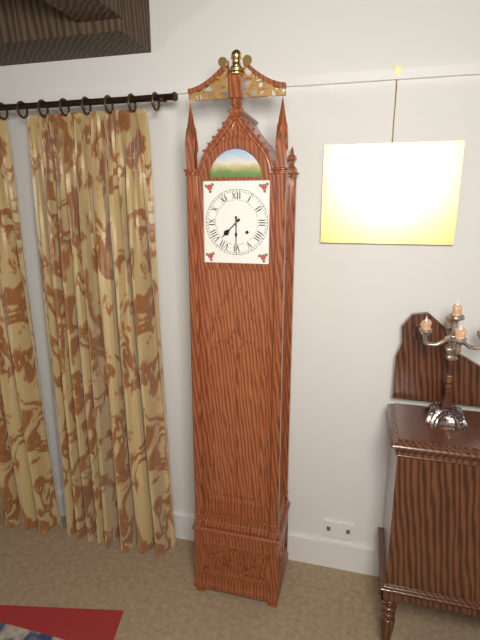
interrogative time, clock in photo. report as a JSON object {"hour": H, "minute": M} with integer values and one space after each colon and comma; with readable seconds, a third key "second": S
{"hour": 7, "minute": 30}
